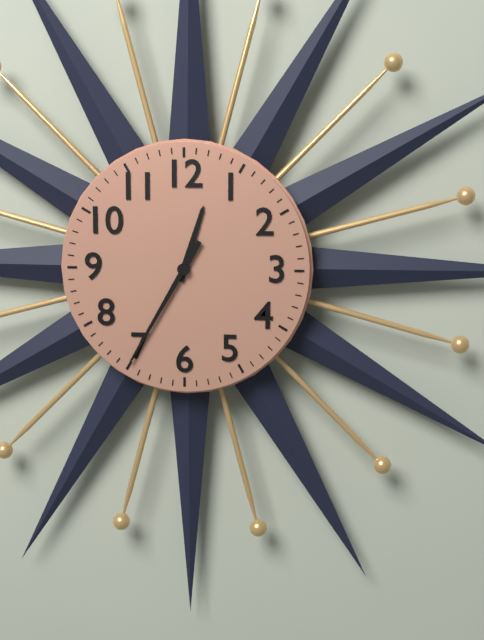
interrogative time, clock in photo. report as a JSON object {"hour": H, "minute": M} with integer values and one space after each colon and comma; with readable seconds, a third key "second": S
{"hour": 12, "minute": 35}
